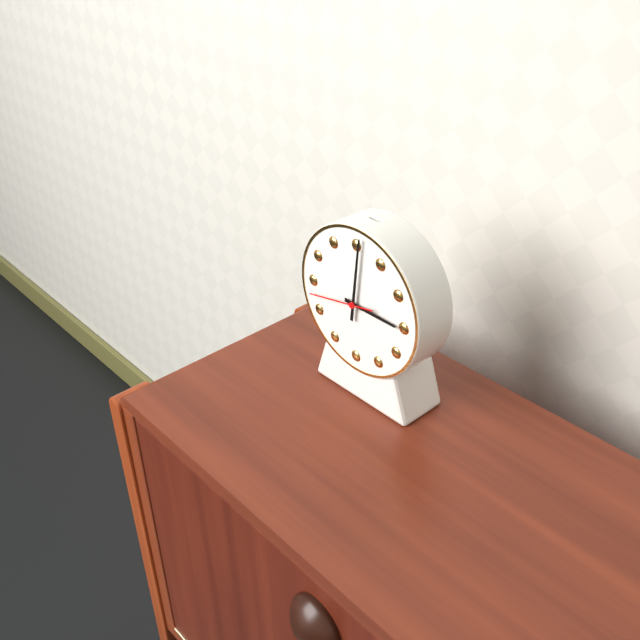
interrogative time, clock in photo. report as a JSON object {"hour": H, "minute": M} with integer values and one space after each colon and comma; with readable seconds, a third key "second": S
{"hour": 3, "minute": 1, "second": 43}
